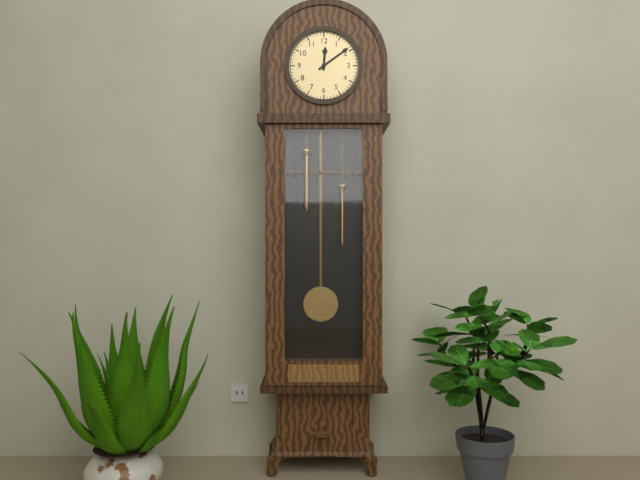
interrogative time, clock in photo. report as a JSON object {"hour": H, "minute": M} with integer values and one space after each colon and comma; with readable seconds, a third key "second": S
{"hour": 12, "minute": 9}
